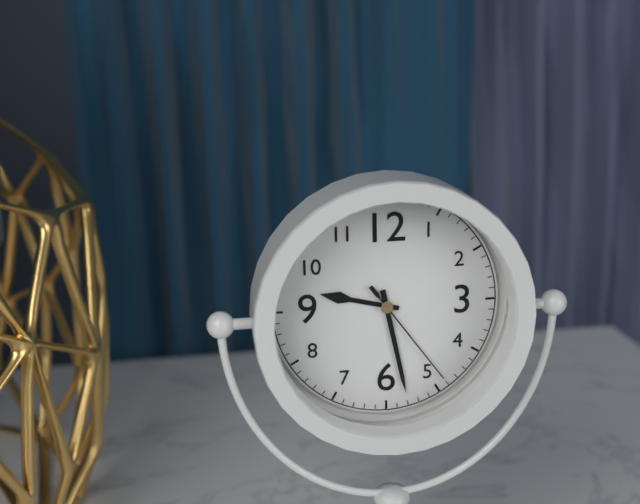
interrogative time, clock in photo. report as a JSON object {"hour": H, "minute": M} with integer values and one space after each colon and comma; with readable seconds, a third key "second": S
{"hour": 9, "minute": 28, "second": 24}
